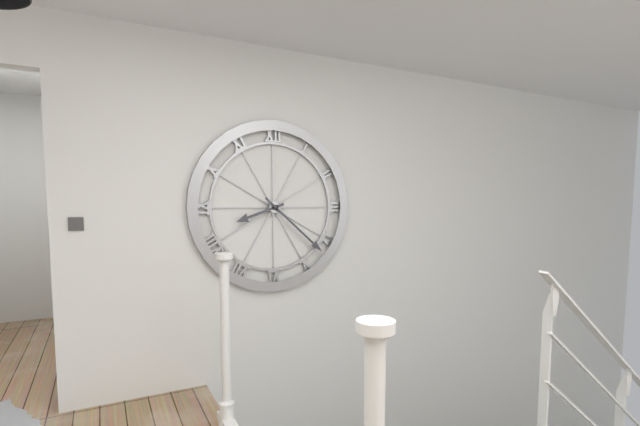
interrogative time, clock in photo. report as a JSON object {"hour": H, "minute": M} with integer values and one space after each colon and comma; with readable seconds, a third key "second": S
{"hour": 8, "minute": 22}
